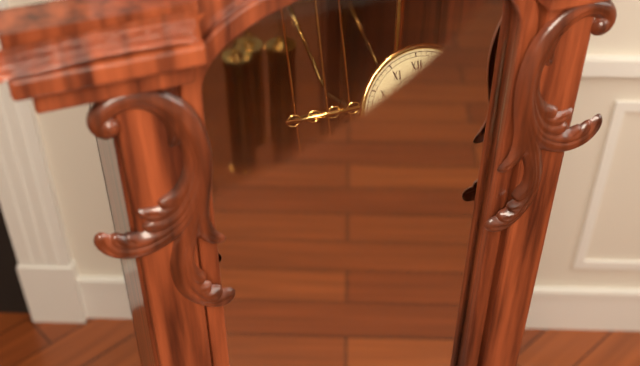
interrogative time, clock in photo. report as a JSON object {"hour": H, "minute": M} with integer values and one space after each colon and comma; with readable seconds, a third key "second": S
{"hour": 5, "minute": 15}
